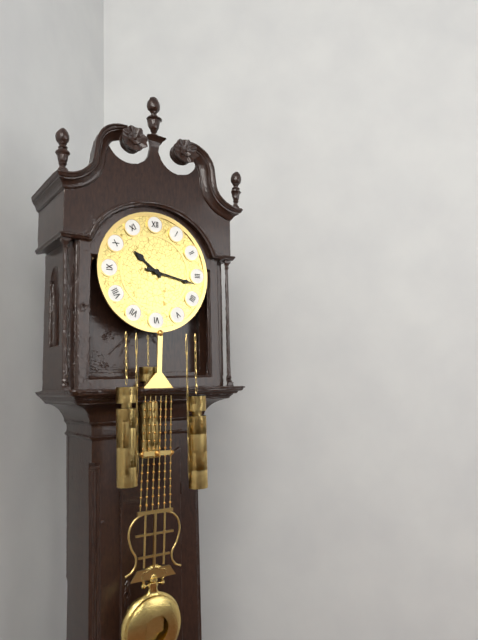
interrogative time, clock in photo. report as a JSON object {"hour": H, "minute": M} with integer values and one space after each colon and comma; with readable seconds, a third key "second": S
{"hour": 10, "minute": 17}
